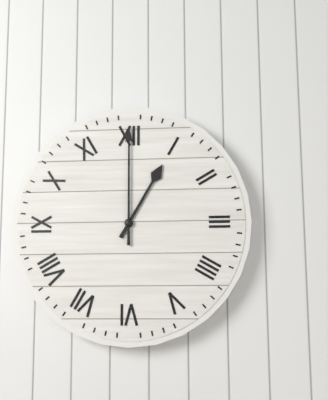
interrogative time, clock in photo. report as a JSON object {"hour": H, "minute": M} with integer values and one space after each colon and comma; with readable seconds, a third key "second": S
{"hour": 1, "minute": 0}
